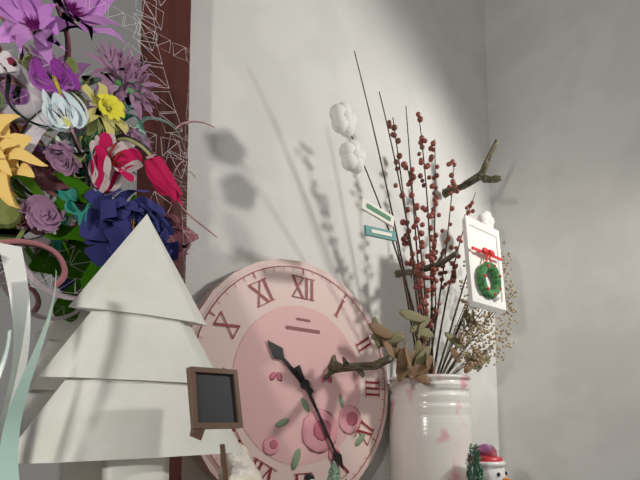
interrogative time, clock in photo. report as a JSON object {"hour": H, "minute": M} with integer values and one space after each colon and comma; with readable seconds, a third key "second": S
{"hour": 10, "minute": 25}
